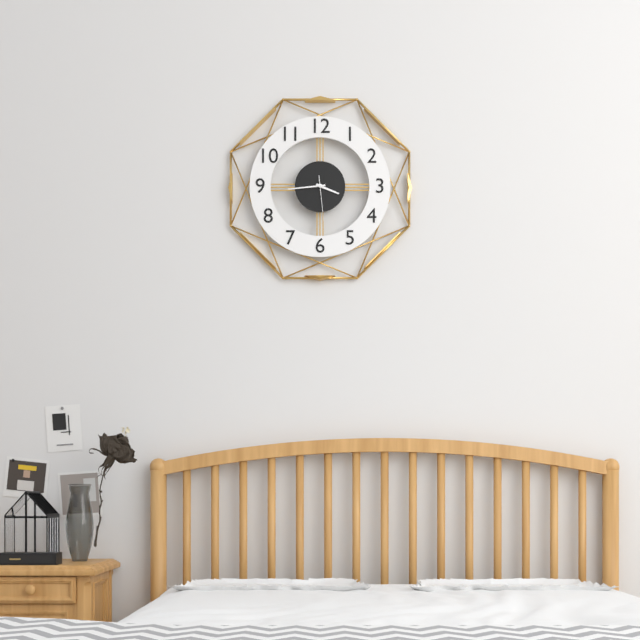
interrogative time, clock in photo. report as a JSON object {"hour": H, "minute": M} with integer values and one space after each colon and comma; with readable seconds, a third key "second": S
{"hour": 3, "minute": 44}
